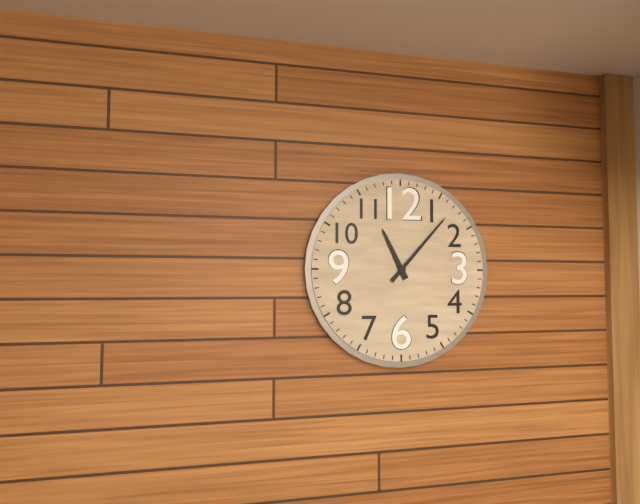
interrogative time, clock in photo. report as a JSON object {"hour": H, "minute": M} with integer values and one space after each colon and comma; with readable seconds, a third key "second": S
{"hour": 11, "minute": 7}
